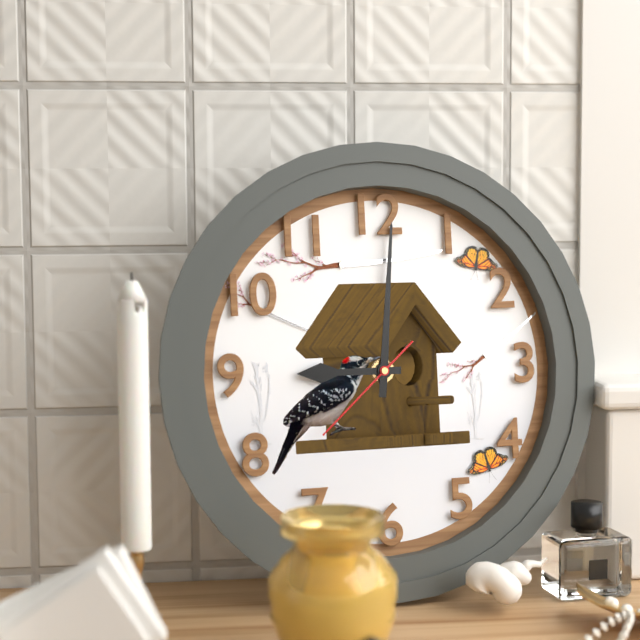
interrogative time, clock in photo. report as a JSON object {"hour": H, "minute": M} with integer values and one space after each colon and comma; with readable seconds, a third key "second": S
{"hour": 9, "minute": 1, "second": 38}
